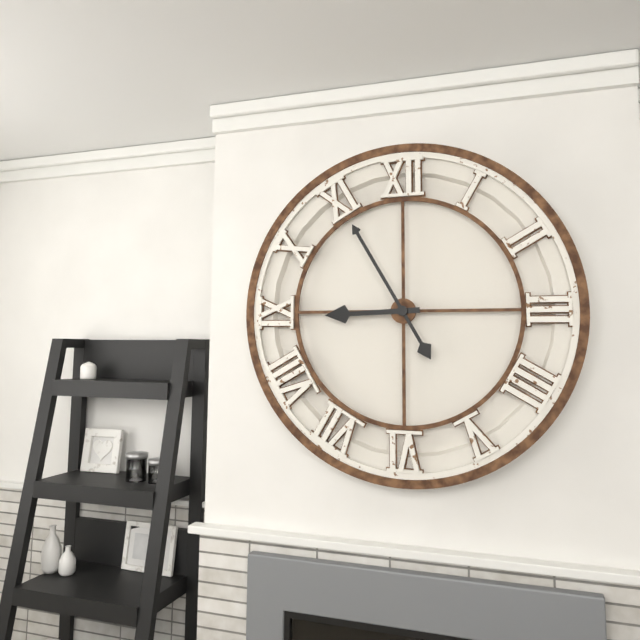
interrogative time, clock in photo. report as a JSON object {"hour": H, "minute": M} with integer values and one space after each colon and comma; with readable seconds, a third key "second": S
{"hour": 8, "minute": 55}
